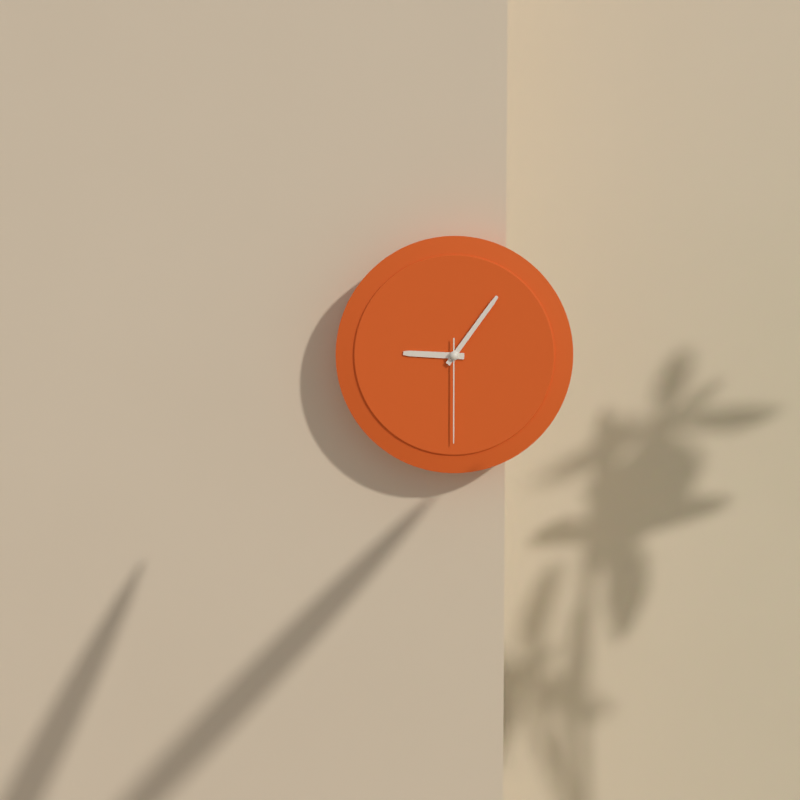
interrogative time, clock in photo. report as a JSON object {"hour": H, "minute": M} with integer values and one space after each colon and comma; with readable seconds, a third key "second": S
{"hour": 9, "minute": 6, "second": 30}
